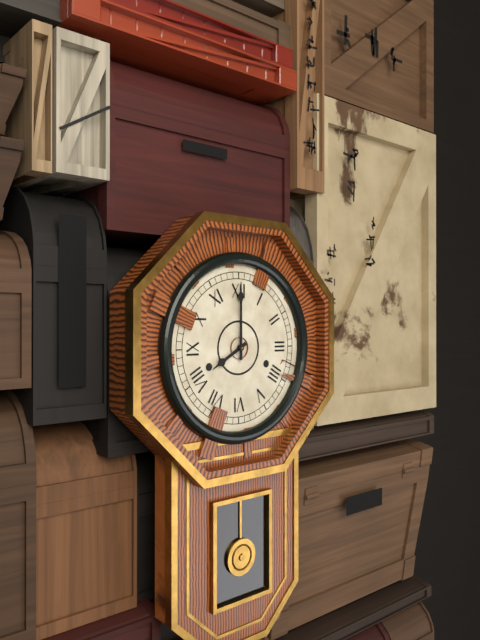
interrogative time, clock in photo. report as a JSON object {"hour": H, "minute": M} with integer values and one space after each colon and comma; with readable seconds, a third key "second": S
{"hour": 8, "minute": 0}
